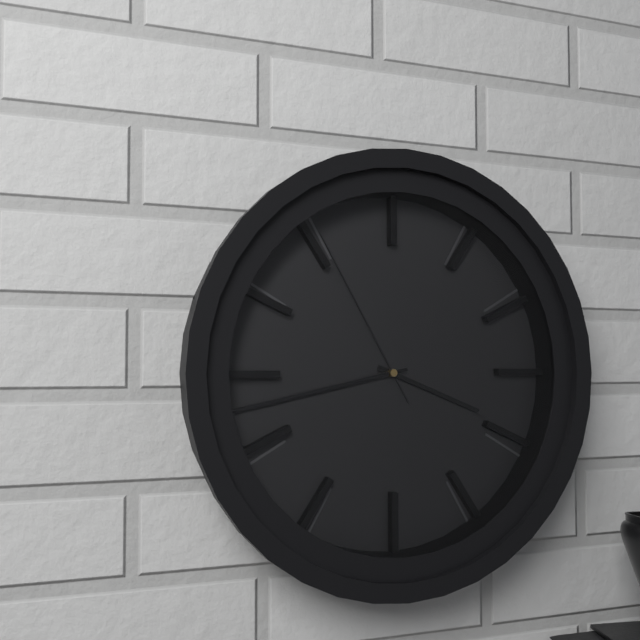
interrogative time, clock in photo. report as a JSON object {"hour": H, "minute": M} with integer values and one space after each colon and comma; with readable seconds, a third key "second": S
{"hour": 3, "minute": 43, "second": 55}
